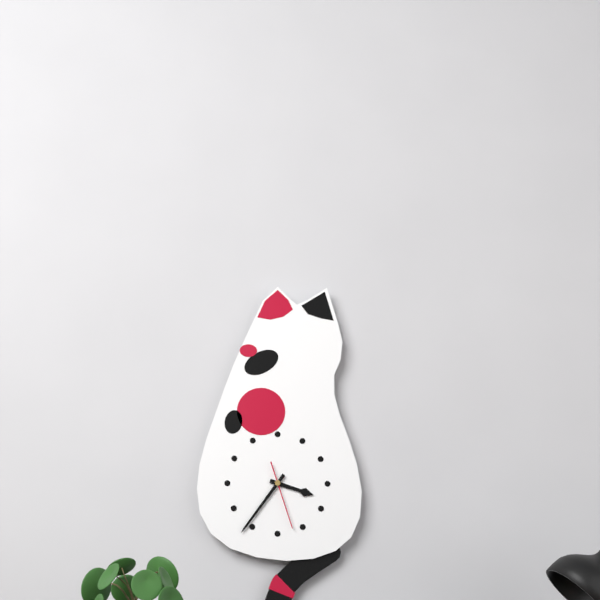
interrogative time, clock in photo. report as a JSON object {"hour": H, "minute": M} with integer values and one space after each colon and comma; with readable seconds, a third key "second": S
{"hour": 3, "minute": 36, "second": 27}
